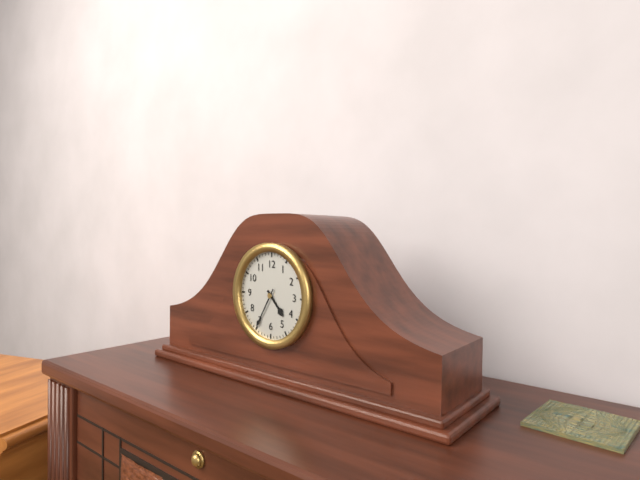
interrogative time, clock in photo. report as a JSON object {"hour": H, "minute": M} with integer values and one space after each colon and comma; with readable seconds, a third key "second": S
{"hour": 4, "minute": 35}
